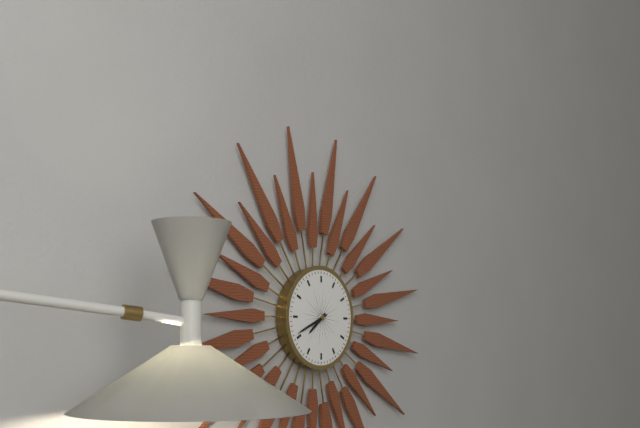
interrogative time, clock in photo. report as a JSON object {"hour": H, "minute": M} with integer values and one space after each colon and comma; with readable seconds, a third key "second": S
{"hour": 7, "minute": 41}
